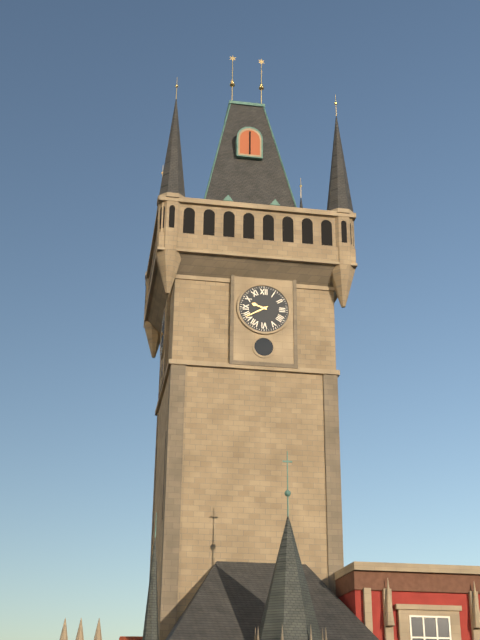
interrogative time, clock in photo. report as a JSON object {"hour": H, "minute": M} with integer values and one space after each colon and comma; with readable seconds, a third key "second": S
{"hour": 9, "minute": 40}
